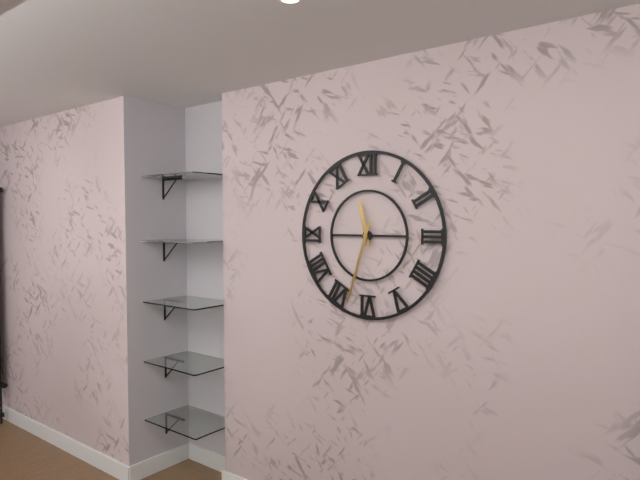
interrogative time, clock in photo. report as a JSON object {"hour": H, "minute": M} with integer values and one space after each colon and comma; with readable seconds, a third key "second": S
{"hour": 11, "minute": 33}
